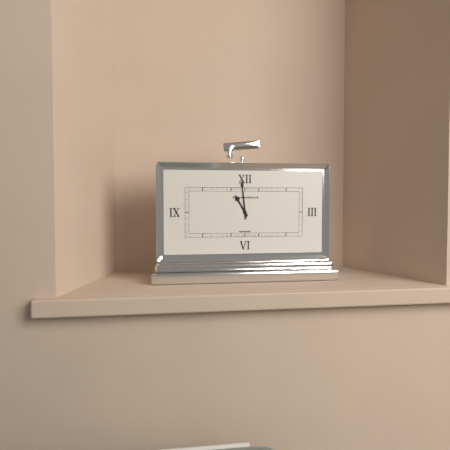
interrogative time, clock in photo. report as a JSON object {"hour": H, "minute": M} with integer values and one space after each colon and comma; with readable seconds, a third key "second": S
{"hour": 10, "minute": 59}
